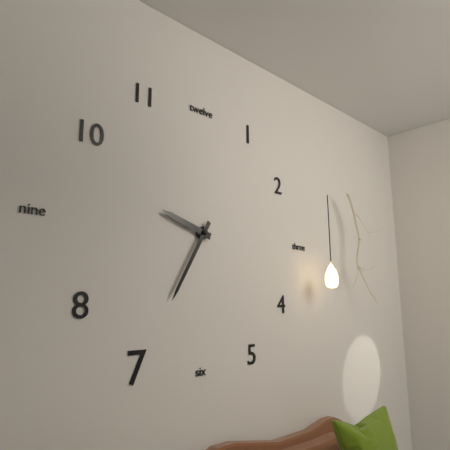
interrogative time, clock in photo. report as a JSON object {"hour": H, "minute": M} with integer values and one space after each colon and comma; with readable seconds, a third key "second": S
{"hour": 9, "minute": 35}
